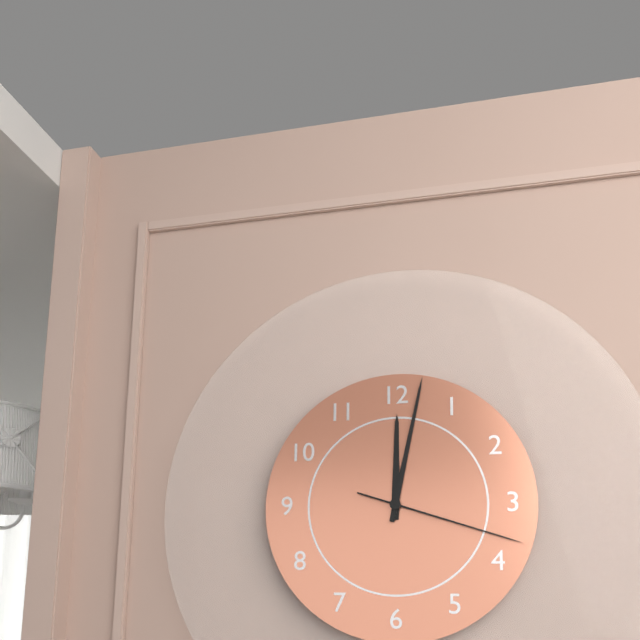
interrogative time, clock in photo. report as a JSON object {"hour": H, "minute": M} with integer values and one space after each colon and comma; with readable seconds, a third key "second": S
{"hour": 12, "minute": 2, "second": 18}
